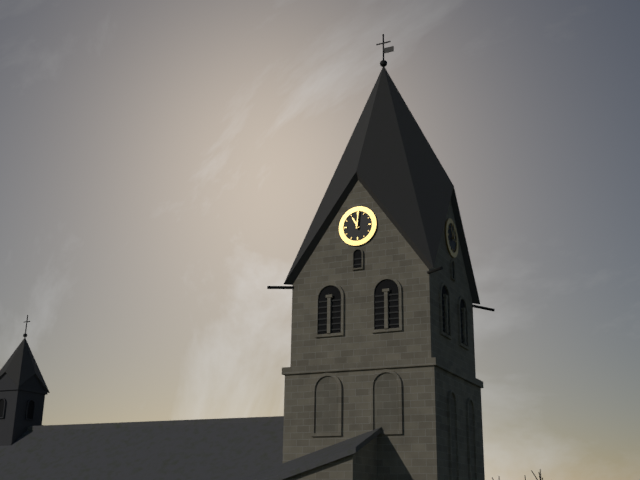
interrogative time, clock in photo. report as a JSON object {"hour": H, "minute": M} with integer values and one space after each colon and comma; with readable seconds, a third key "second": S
{"hour": 11, "minute": 1}
